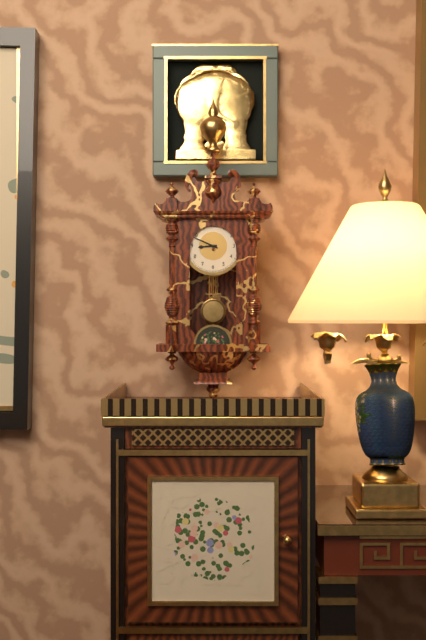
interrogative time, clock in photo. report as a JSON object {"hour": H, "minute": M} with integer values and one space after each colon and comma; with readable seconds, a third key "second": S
{"hour": 8, "minute": 49}
